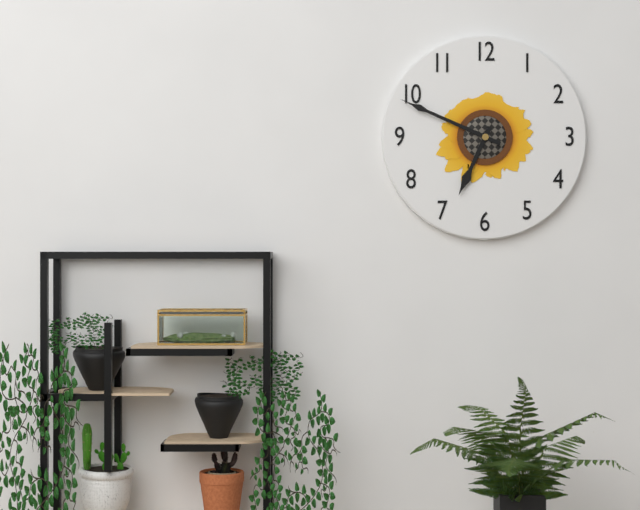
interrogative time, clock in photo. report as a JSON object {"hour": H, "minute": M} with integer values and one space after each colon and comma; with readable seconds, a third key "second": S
{"hour": 6, "minute": 49}
